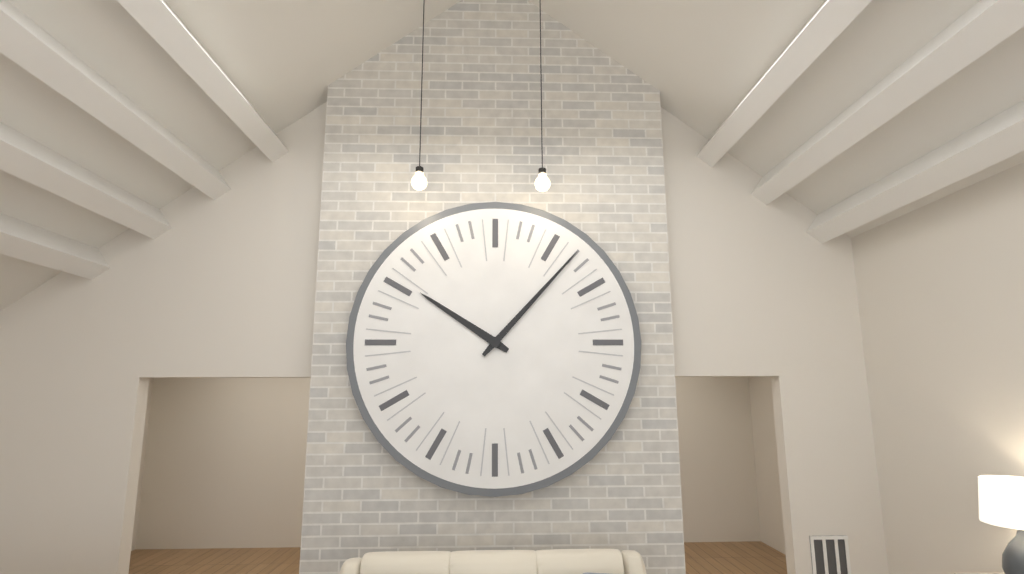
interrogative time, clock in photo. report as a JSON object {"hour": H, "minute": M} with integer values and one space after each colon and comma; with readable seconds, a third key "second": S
{"hour": 10, "minute": 7}
